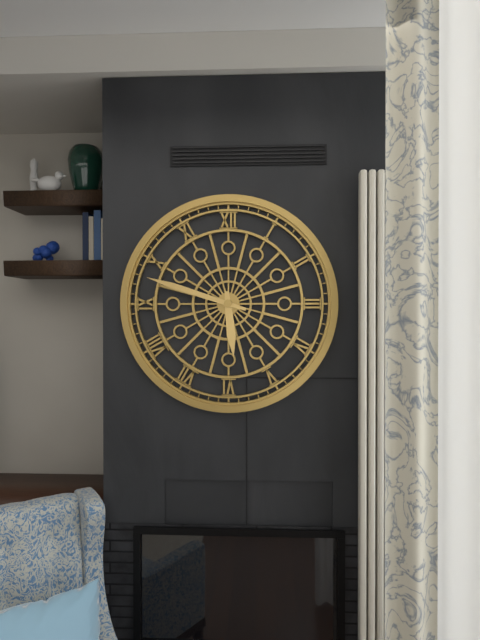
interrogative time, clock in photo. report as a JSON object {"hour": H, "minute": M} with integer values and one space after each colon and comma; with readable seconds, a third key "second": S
{"hour": 5, "minute": 48}
